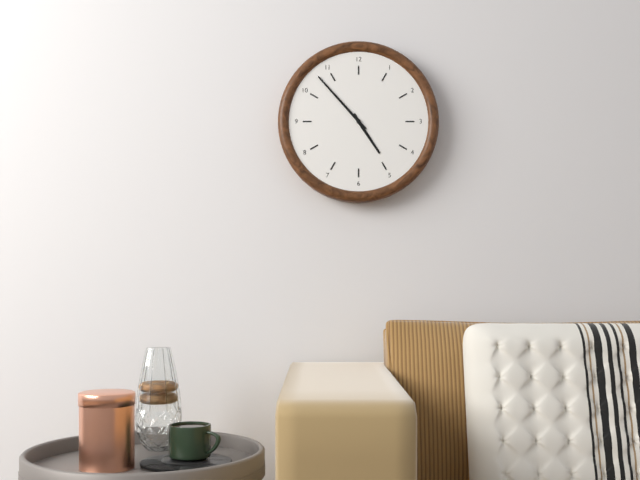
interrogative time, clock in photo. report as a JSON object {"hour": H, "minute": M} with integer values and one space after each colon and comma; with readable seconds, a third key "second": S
{"hour": 4, "minute": 53}
